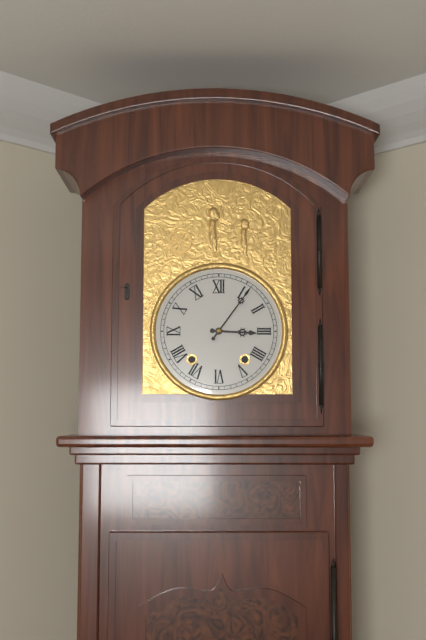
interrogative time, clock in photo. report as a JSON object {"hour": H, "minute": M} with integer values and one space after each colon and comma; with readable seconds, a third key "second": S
{"hour": 3, "minute": 6}
